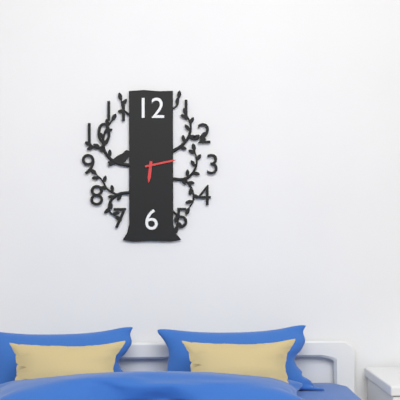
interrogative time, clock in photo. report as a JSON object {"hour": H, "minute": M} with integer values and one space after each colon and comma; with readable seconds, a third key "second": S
{"hour": 6, "minute": 13}
